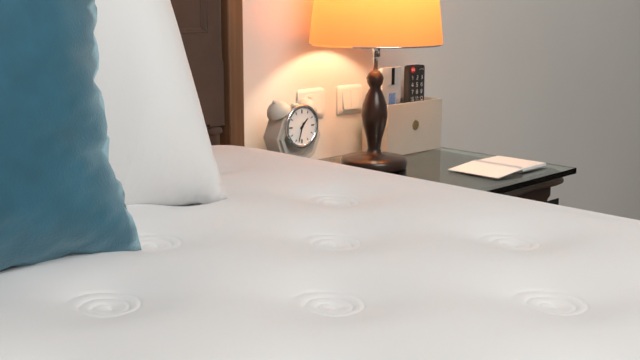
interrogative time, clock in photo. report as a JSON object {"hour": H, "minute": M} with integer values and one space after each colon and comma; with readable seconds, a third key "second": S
{"hour": 1, "minute": 33}
